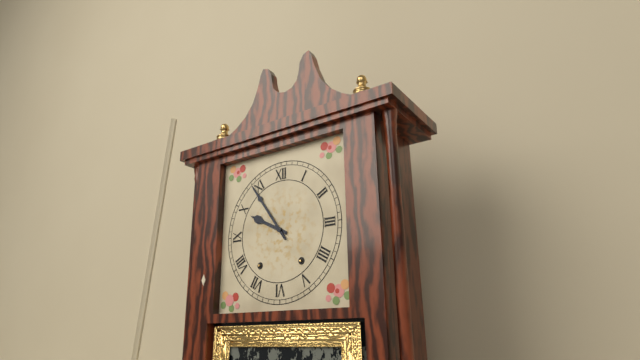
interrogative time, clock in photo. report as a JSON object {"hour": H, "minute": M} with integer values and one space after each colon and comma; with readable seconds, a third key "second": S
{"hour": 9, "minute": 54}
